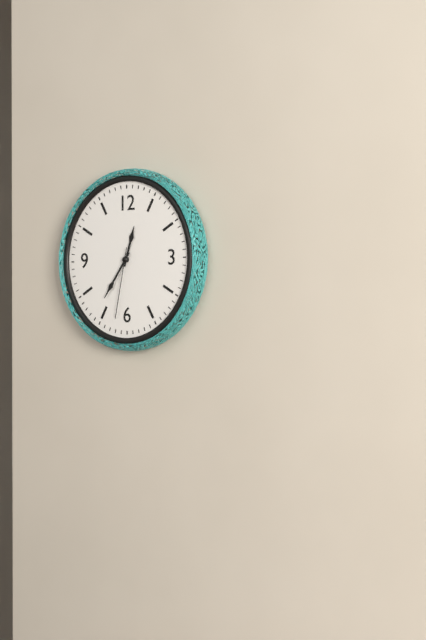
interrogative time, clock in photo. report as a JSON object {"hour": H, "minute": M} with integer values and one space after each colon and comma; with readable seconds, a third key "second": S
{"hour": 12, "minute": 36, "second": 32}
